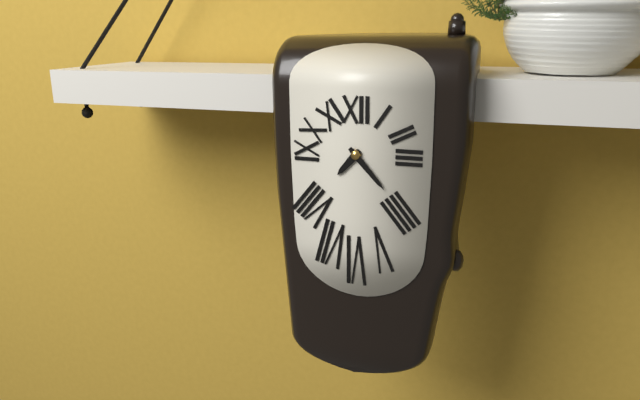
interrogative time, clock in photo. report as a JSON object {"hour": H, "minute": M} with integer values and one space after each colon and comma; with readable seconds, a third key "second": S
{"hour": 7, "minute": 23}
